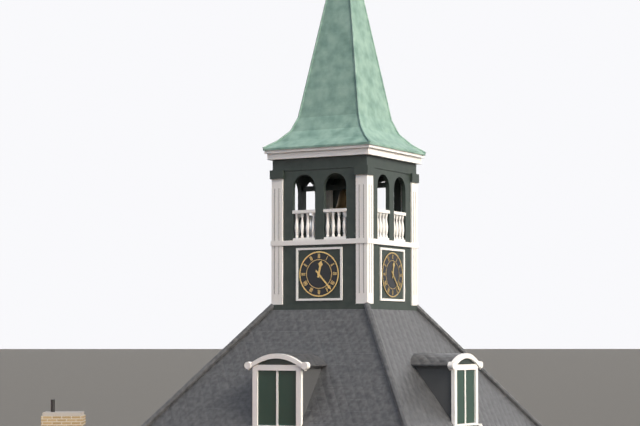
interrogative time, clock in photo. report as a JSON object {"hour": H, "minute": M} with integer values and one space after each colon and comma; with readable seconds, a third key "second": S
{"hour": 12, "minute": 23}
